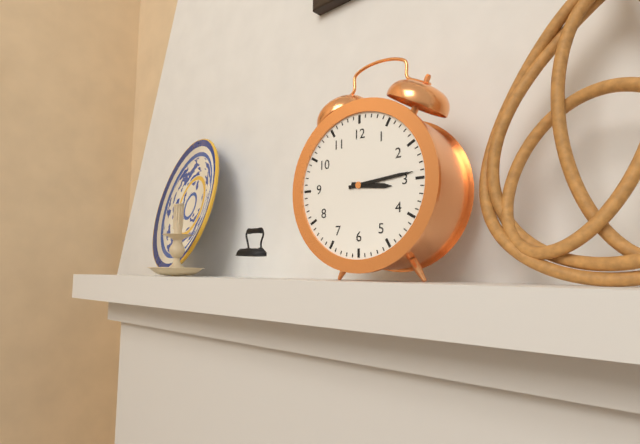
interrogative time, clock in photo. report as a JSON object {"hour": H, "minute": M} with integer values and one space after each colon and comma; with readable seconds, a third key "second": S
{"hour": 3, "minute": 14}
